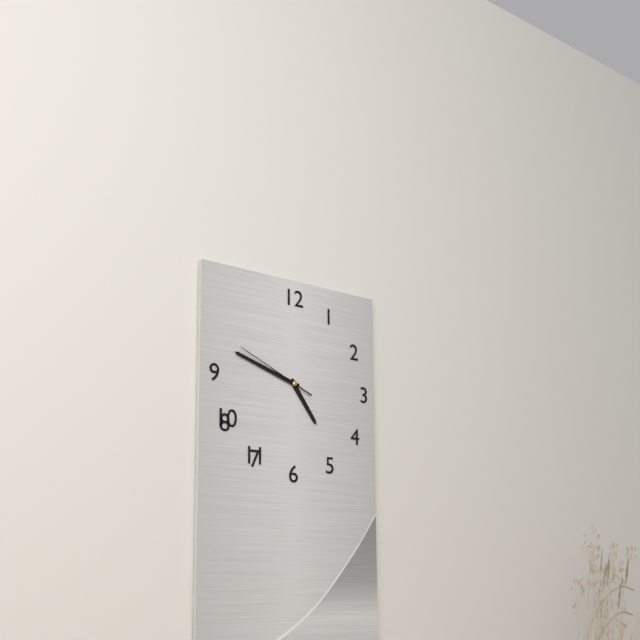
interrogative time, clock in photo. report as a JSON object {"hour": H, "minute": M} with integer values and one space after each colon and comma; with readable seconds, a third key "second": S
{"hour": 4, "minute": 48, "second": 49}
